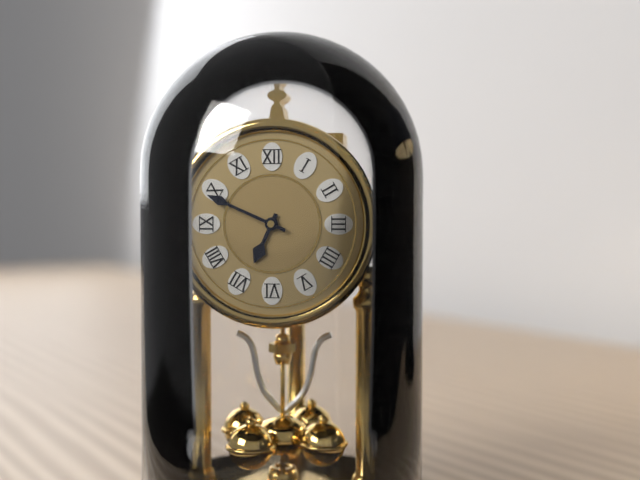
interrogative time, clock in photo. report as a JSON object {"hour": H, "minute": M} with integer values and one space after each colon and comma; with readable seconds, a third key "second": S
{"hour": 6, "minute": 49}
